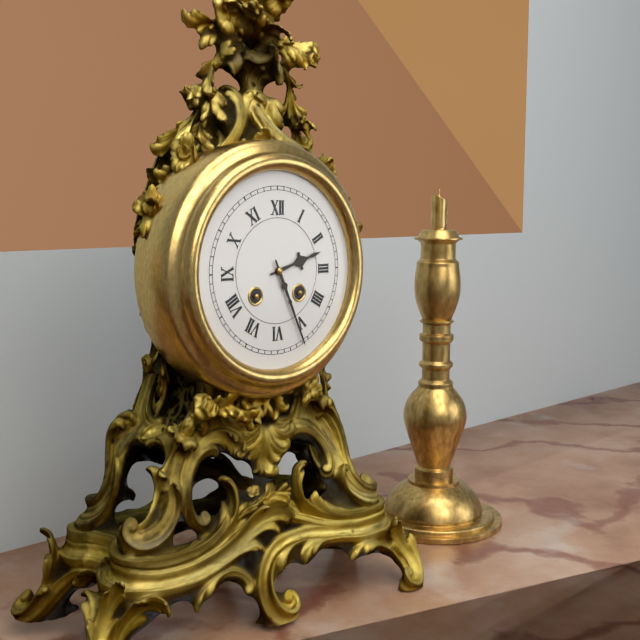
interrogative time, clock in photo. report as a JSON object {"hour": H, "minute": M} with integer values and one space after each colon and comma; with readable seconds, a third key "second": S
{"hour": 2, "minute": 26}
